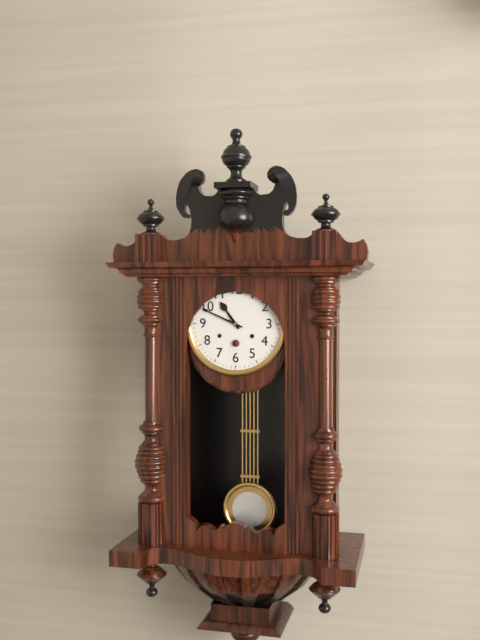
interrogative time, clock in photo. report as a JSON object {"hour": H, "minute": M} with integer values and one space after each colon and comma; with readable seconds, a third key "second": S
{"hour": 10, "minute": 49}
